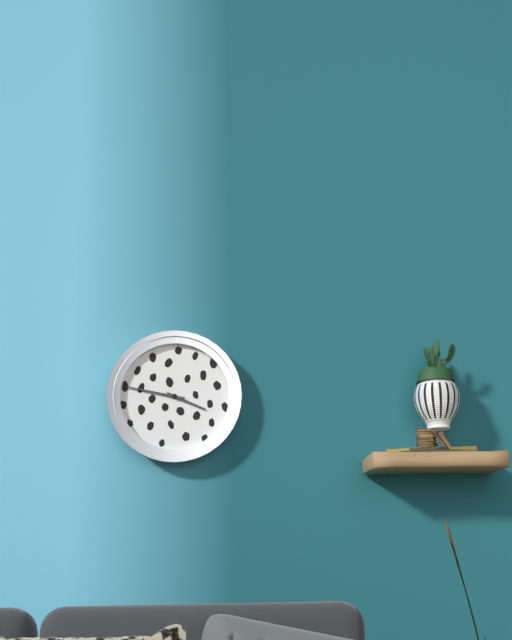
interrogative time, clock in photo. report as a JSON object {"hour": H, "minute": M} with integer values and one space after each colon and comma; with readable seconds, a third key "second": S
{"hour": 3, "minute": 47}
